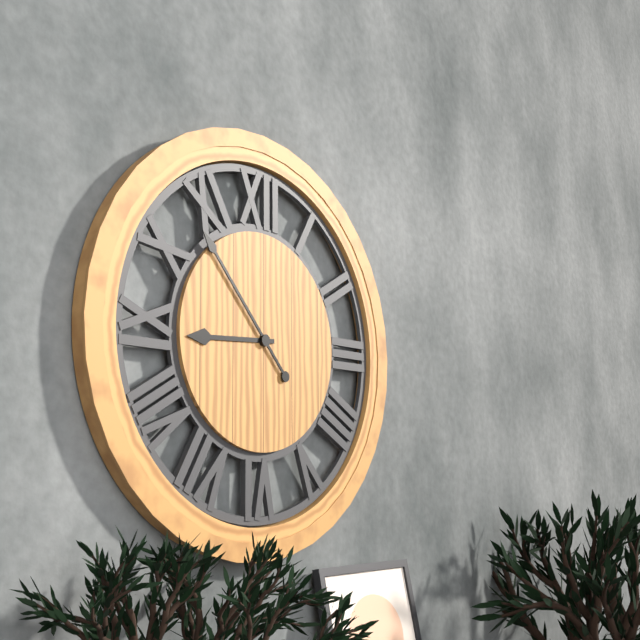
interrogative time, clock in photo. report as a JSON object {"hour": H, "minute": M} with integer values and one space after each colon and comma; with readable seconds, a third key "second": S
{"hour": 8, "minute": 53}
